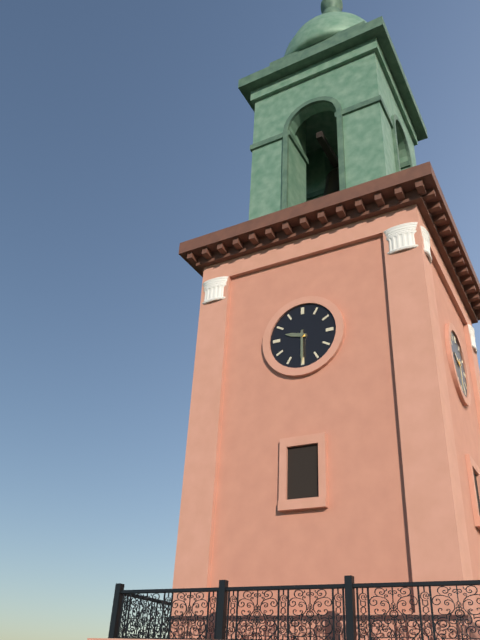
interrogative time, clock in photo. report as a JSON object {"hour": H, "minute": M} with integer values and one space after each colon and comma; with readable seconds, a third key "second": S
{"hour": 9, "minute": 30}
